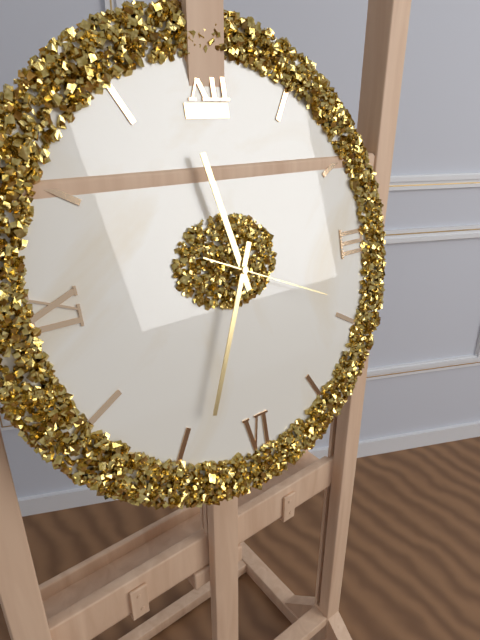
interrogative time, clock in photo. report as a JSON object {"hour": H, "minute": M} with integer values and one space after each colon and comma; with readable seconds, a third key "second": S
{"hour": 11, "minute": 34, "second": 19}
